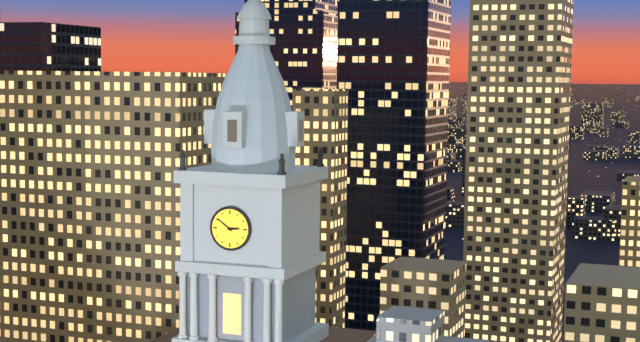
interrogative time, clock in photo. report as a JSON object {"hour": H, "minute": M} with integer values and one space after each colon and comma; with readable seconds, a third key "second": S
{"hour": 2, "minute": 51}
